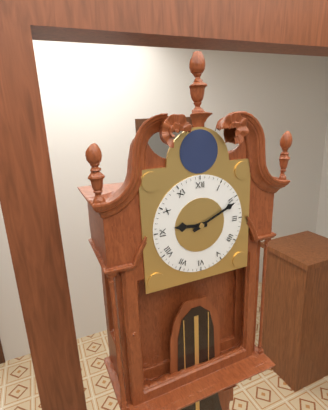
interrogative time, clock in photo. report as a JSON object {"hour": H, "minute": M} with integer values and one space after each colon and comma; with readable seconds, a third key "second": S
{"hour": 9, "minute": 11}
